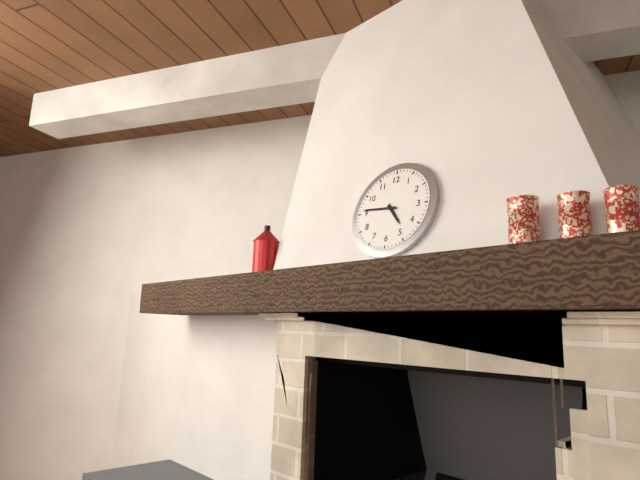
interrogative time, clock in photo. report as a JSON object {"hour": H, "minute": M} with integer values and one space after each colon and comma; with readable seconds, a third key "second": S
{"hour": 4, "minute": 46}
